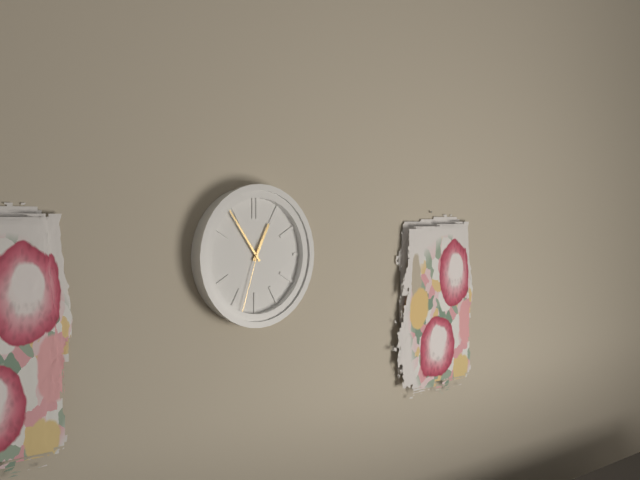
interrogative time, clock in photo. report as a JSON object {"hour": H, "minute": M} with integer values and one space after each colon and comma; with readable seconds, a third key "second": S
{"hour": 12, "minute": 54, "second": 33}
